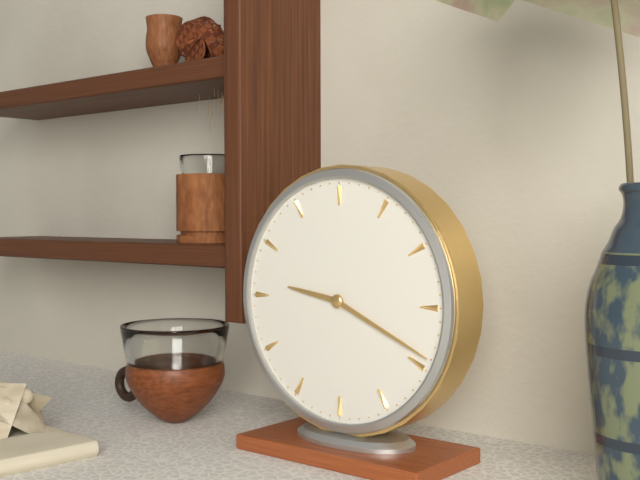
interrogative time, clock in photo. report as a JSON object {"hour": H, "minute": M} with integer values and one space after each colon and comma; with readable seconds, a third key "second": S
{"hour": 9, "minute": 19}
